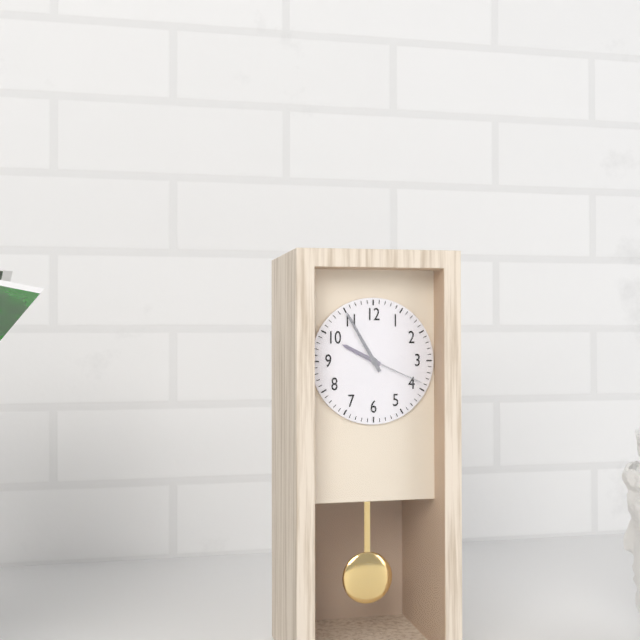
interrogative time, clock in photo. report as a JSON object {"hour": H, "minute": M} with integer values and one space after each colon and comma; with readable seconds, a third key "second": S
{"hour": 9, "minute": 55, "second": 19}
